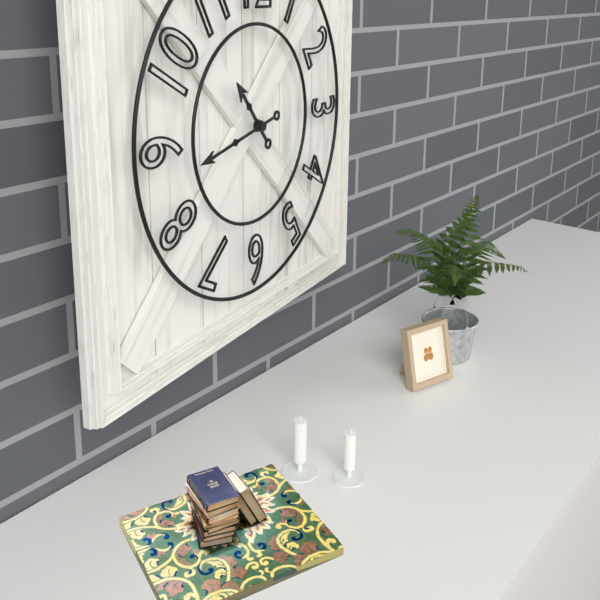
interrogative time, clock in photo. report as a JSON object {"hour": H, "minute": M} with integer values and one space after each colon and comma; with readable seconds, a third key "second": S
{"hour": 10, "minute": 43}
